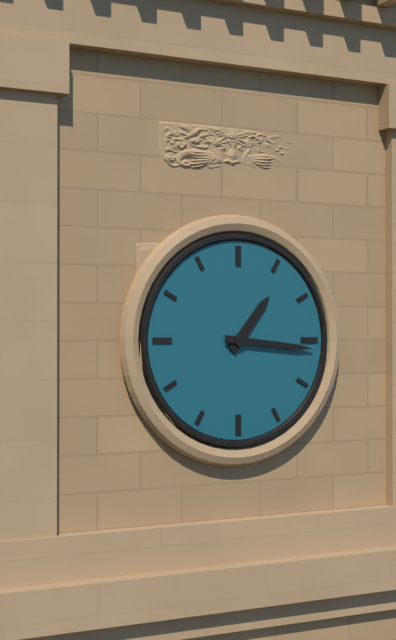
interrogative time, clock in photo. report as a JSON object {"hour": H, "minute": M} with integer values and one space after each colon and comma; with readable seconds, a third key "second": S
{"hour": 1, "minute": 16}
